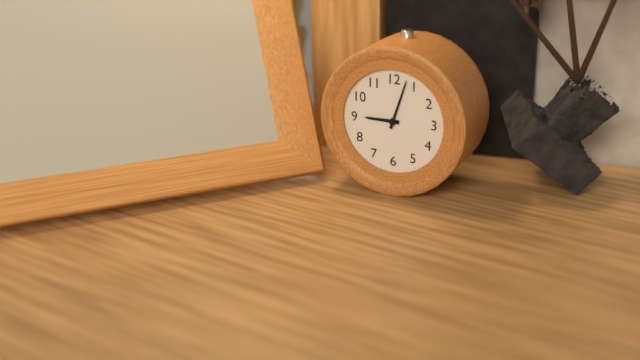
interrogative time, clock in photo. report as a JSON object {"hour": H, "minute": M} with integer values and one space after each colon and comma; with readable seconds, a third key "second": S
{"hour": 9, "minute": 3}
